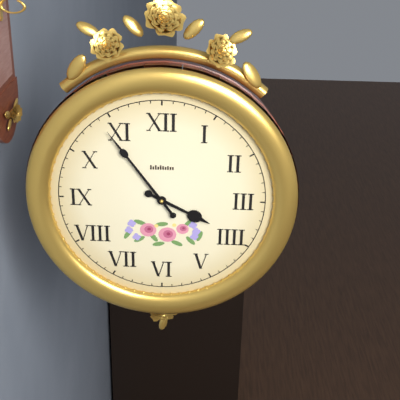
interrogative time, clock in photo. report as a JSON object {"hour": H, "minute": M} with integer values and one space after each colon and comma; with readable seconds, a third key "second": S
{"hour": 3, "minute": 54}
